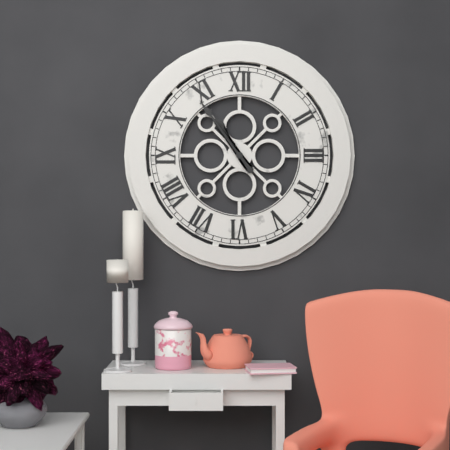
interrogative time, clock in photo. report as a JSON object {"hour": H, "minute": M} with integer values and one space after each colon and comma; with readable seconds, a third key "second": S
{"hour": 10, "minute": 54}
